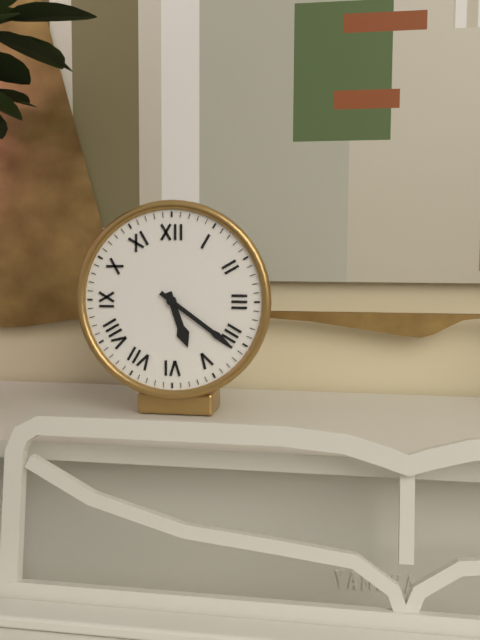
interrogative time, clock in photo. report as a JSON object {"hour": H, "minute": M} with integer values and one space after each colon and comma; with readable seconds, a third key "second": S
{"hour": 5, "minute": 21}
